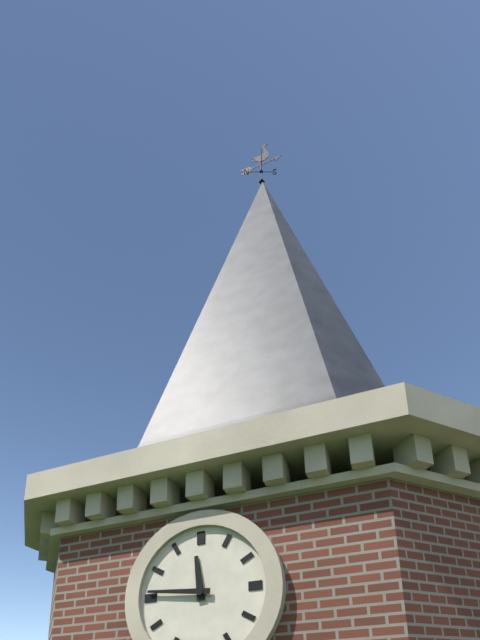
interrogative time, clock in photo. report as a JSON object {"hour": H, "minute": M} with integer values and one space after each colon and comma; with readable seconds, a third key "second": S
{"hour": 11, "minute": 46}
